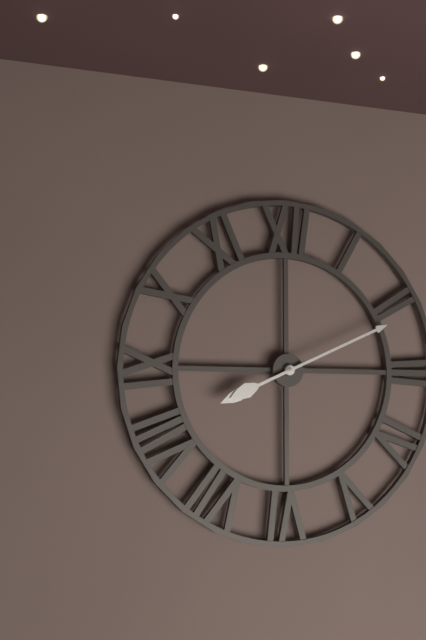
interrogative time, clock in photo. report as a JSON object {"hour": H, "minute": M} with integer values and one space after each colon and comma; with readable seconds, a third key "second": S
{"hour": 8, "minute": 11}
